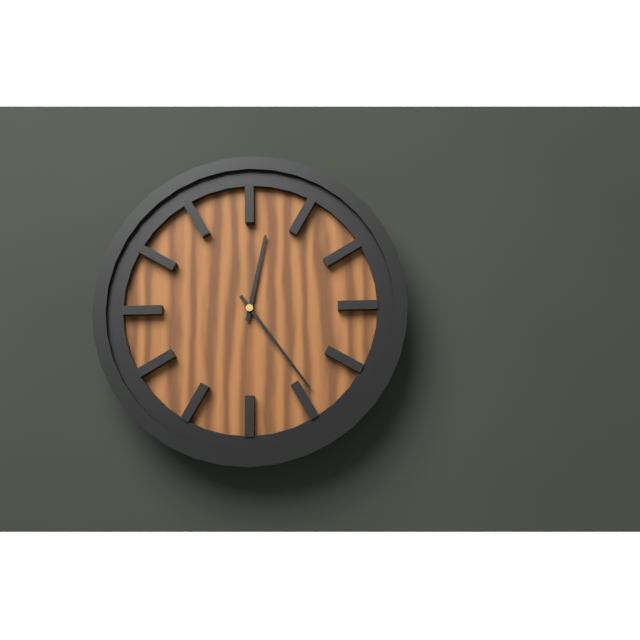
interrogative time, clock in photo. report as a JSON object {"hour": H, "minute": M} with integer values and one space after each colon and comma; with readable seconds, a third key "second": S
{"hour": 12, "minute": 24}
